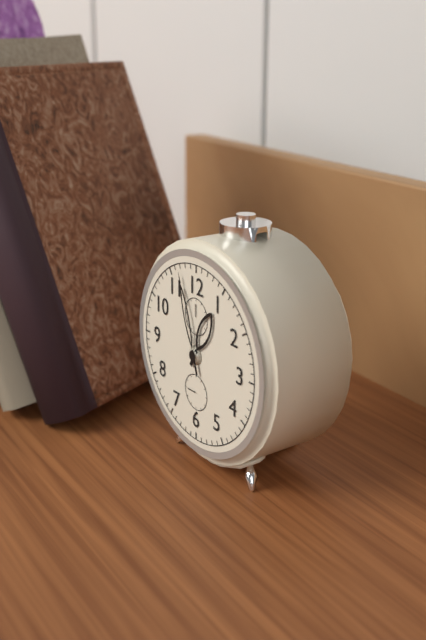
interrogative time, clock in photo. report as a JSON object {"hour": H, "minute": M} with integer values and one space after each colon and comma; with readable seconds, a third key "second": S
{"hour": 12, "minute": 57}
